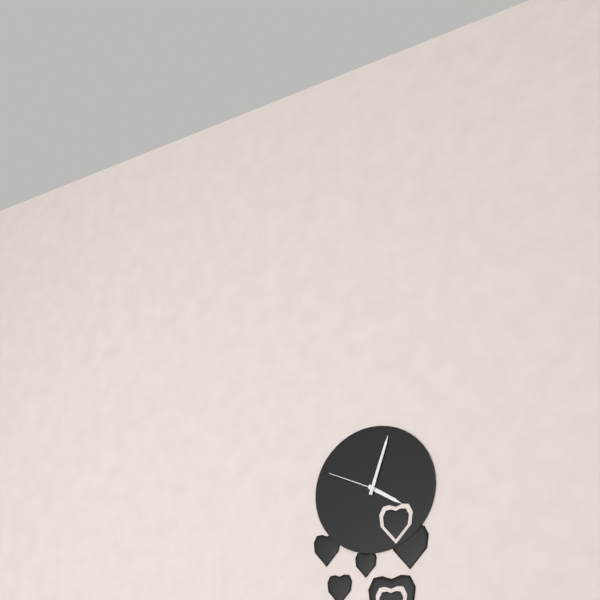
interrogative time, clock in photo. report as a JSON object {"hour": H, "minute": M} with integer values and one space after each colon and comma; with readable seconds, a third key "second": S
{"hour": 4, "minute": 3, "second": 49}
